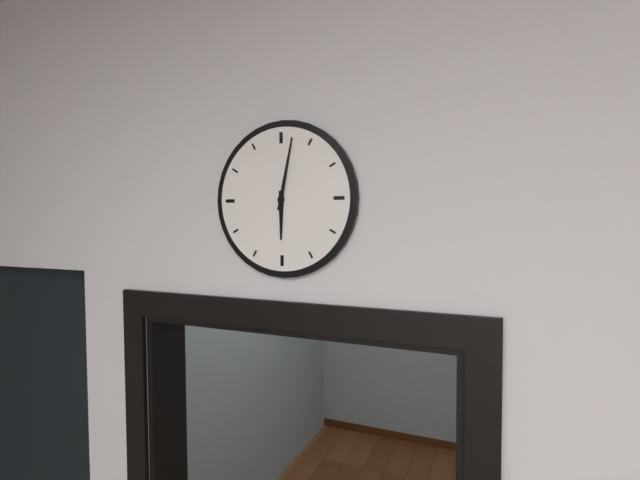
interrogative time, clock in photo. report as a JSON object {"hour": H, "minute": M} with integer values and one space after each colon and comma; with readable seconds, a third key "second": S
{"hour": 6, "minute": 2}
